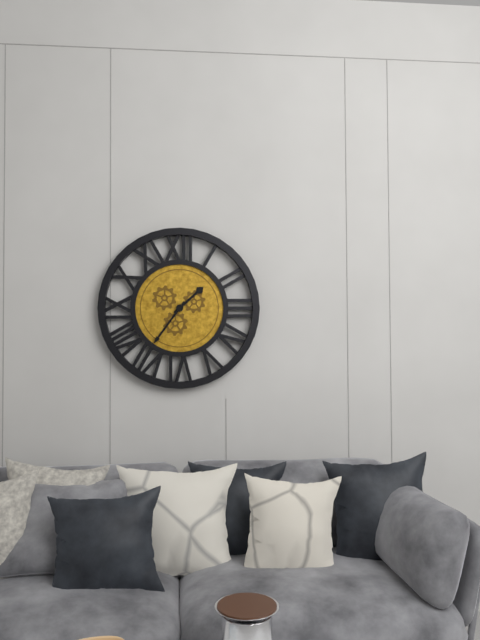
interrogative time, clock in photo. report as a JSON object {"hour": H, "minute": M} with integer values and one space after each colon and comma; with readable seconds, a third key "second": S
{"hour": 1, "minute": 36}
